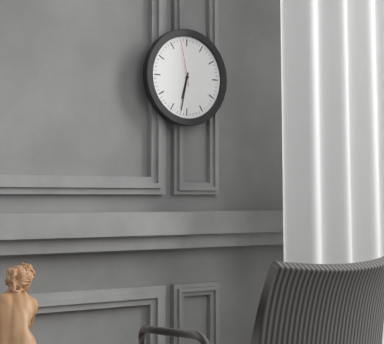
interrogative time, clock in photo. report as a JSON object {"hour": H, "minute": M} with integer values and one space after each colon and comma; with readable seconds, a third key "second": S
{"hour": 6, "minute": 32}
